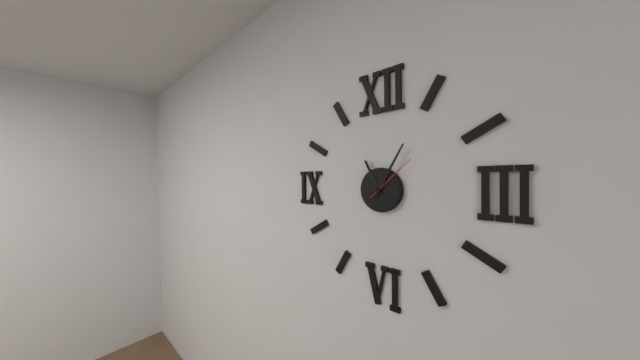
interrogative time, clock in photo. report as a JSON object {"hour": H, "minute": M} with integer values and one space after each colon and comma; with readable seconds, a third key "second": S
{"hour": 11, "minute": 5, "second": 8}
